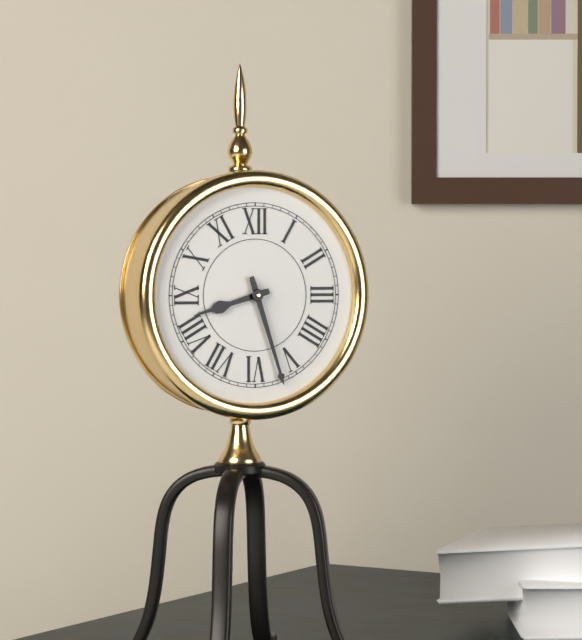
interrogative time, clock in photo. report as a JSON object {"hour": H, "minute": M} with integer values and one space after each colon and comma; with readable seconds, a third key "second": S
{"hour": 8, "minute": 27}
